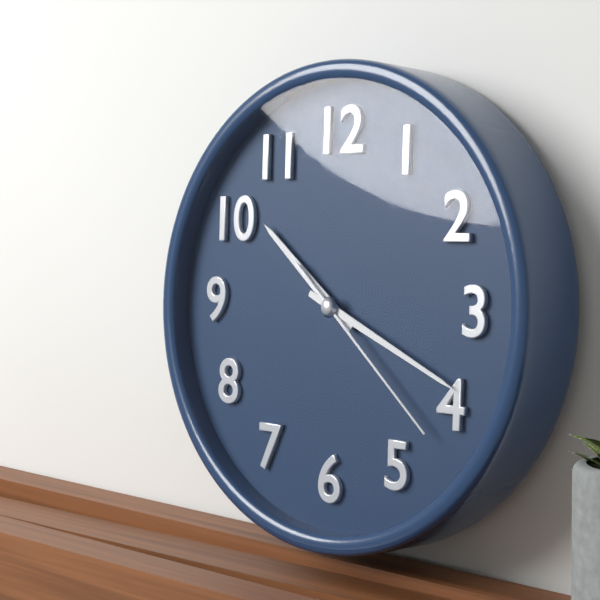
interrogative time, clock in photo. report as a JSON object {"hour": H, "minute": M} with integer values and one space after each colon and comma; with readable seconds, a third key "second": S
{"hour": 10, "minute": 19, "second": 22}
